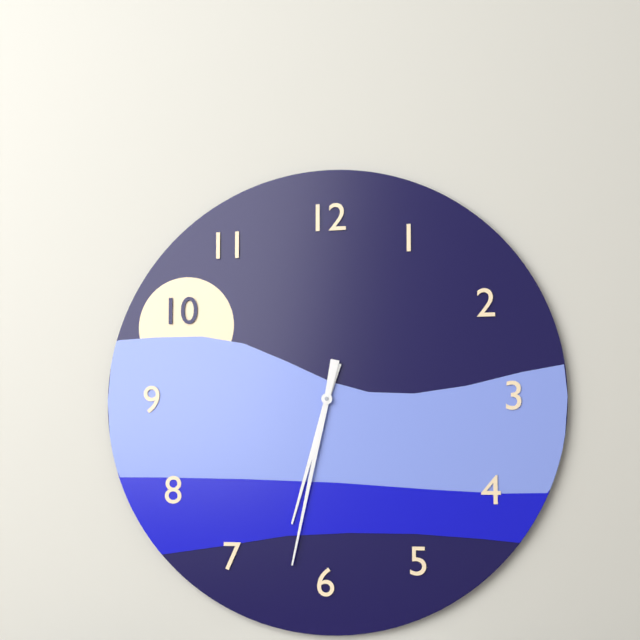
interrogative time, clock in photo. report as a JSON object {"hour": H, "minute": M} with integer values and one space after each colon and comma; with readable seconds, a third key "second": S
{"hour": 6, "minute": 32}
